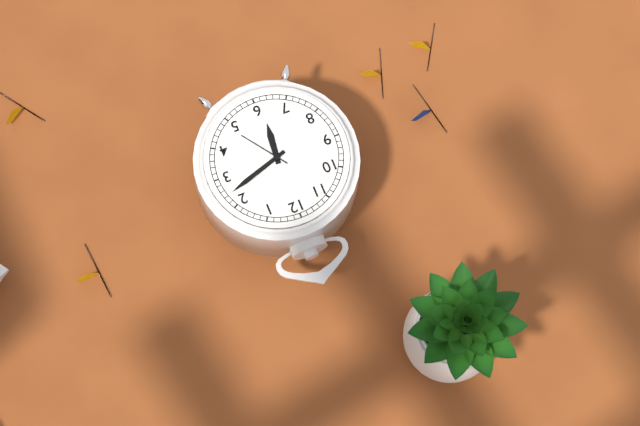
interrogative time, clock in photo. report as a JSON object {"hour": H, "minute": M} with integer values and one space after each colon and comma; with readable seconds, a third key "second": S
{"hour": 6, "minute": 12, "second": 24}
